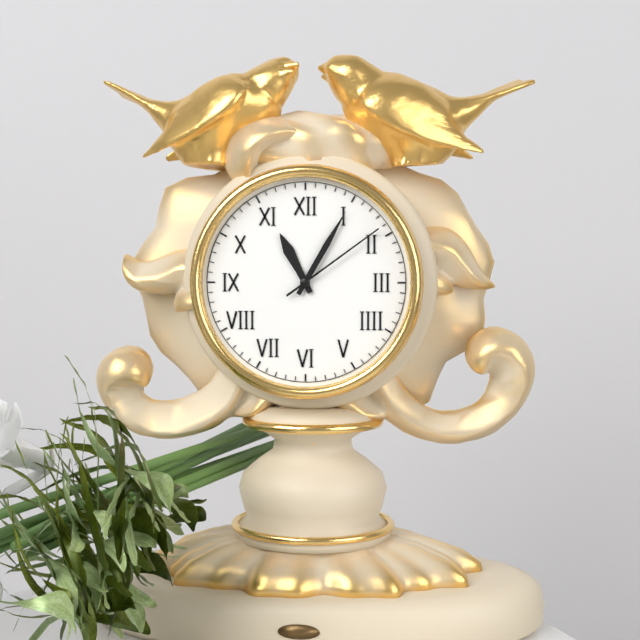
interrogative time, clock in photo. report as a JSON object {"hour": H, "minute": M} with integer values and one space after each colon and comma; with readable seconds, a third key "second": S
{"hour": 11, "minute": 5, "second": 9}
